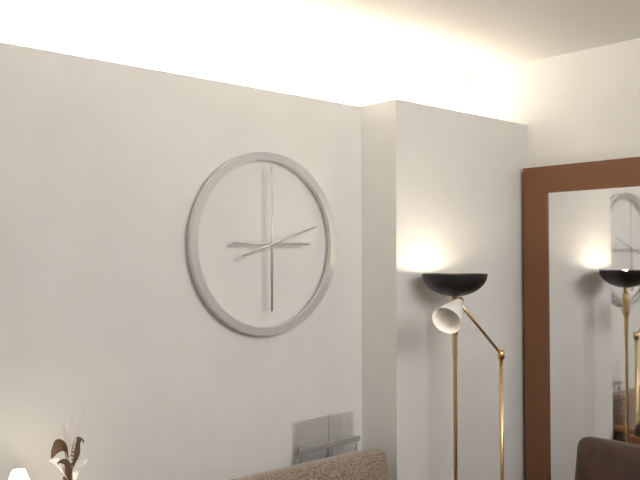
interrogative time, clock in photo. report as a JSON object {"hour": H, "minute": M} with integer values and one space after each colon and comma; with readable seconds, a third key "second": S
{"hour": 3, "minute": 0, "second": 12}
